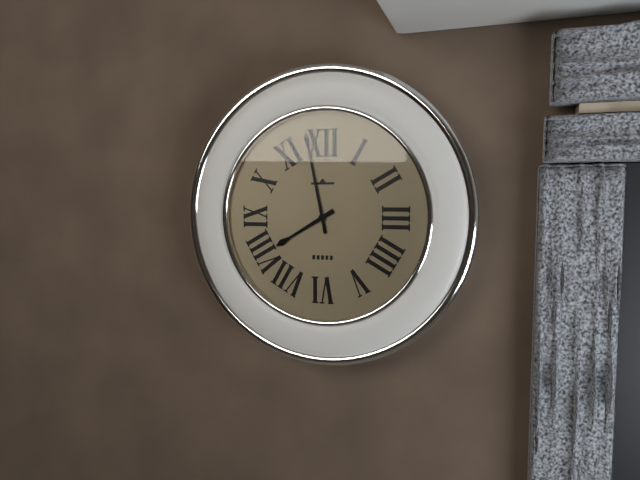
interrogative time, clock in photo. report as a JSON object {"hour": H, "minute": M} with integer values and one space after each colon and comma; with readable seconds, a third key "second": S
{"hour": 7, "minute": 58}
